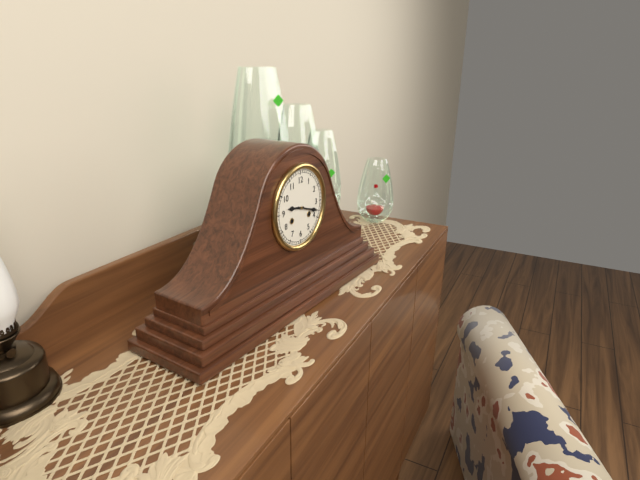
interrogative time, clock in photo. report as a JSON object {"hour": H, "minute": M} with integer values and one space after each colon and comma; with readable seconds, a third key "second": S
{"hour": 9, "minute": 18}
